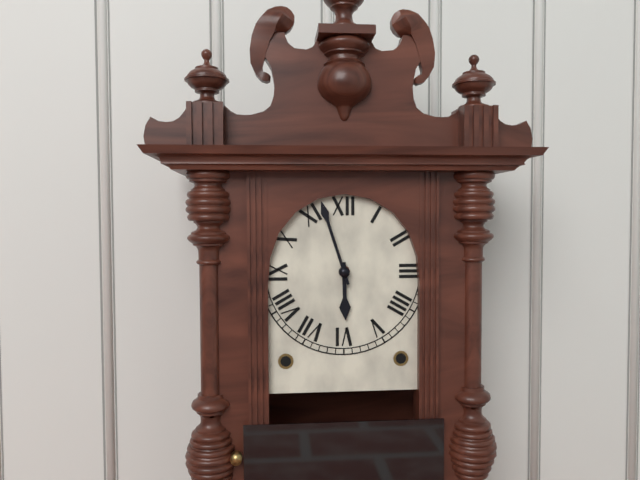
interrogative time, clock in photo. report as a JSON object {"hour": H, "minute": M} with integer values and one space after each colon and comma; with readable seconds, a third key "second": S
{"hour": 5, "minute": 57}
